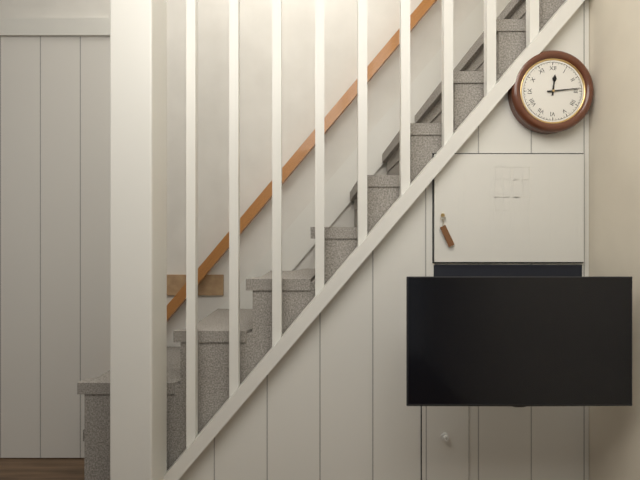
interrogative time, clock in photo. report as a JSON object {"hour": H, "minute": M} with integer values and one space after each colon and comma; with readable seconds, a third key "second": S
{"hour": 12, "minute": 14}
